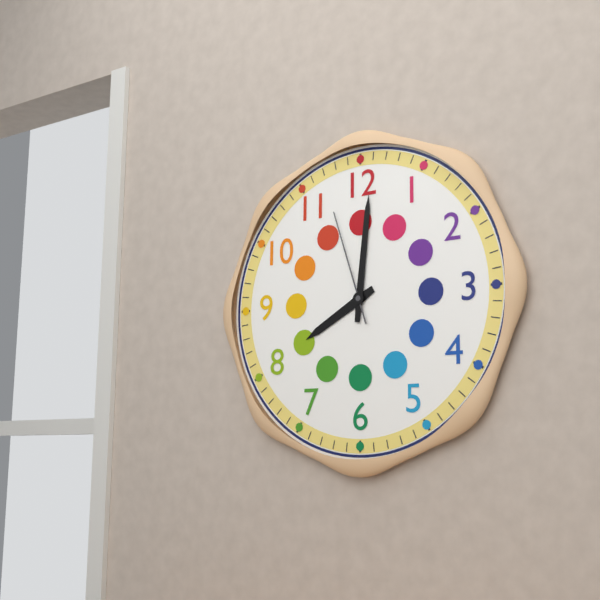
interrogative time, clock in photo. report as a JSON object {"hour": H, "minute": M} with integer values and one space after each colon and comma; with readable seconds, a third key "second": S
{"hour": 8, "minute": 1, "second": 57}
